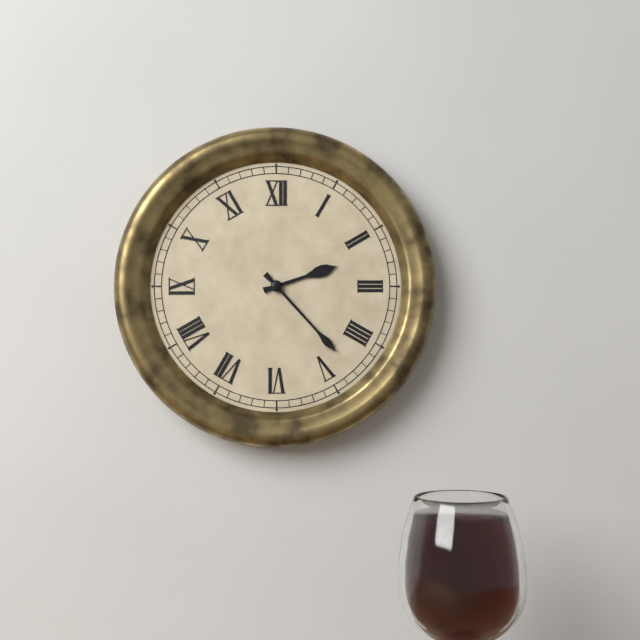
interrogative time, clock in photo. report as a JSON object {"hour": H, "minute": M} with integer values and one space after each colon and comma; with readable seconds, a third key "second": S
{"hour": 2, "minute": 23}
